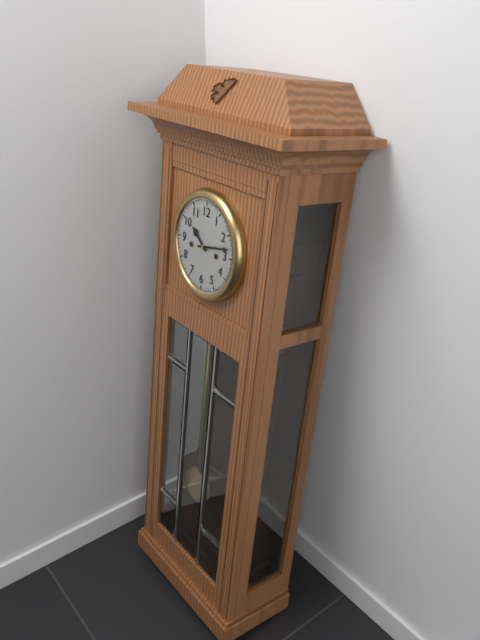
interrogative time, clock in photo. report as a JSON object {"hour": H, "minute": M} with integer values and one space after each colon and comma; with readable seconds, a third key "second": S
{"hour": 10, "minute": 13}
